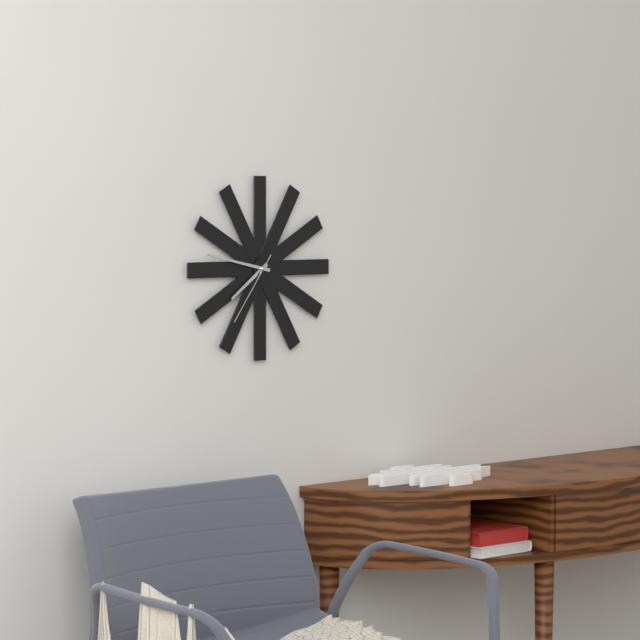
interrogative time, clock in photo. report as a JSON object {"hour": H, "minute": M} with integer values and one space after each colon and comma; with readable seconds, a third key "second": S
{"hour": 7, "minute": 47, "second": 36}
